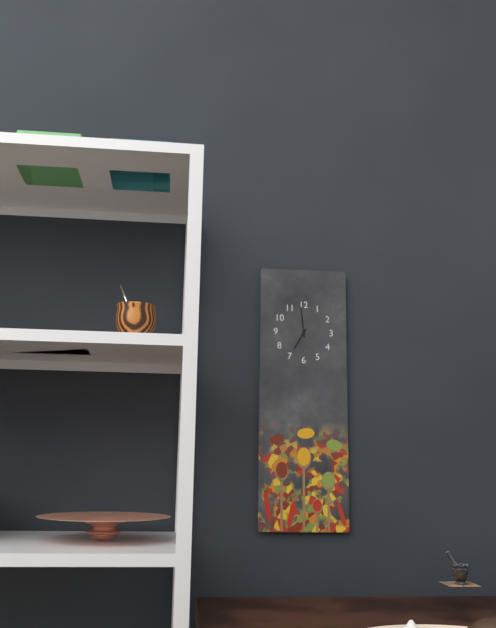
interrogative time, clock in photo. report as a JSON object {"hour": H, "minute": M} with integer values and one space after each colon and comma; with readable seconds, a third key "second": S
{"hour": 6, "minute": 59}
